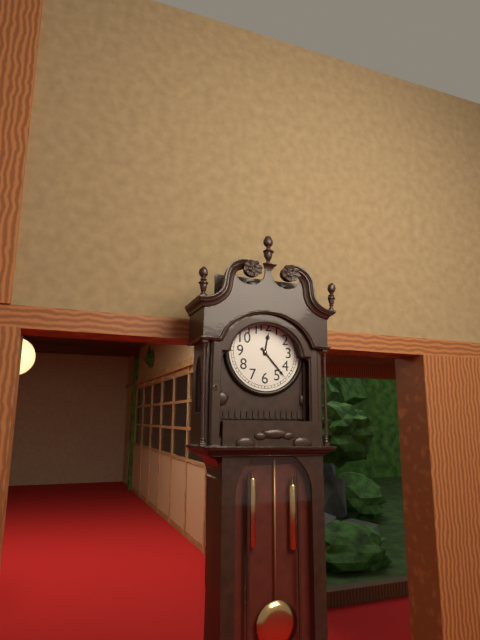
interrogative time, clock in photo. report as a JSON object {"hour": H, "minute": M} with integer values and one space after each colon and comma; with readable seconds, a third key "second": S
{"hour": 12, "minute": 23}
